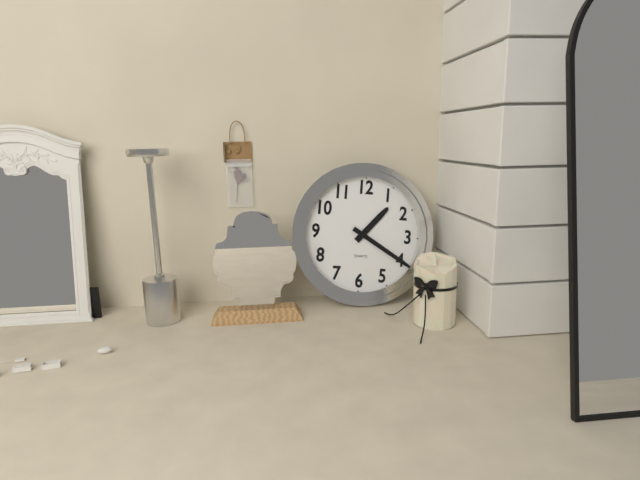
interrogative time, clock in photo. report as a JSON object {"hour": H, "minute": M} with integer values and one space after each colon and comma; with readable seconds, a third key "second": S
{"hour": 1, "minute": 20}
